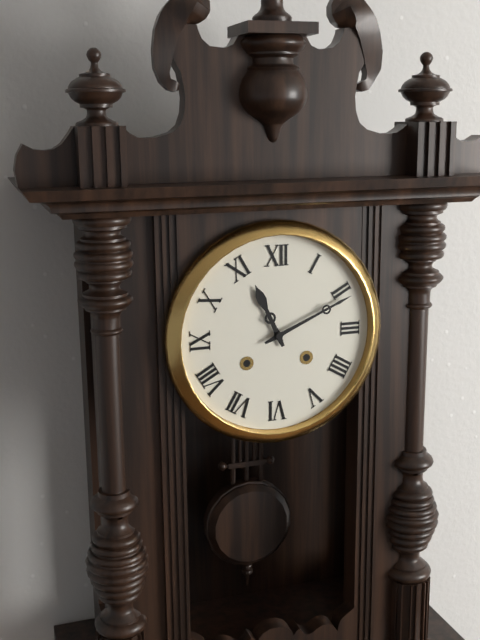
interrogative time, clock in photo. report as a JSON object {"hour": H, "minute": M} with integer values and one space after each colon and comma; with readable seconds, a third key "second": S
{"hour": 11, "minute": 11}
